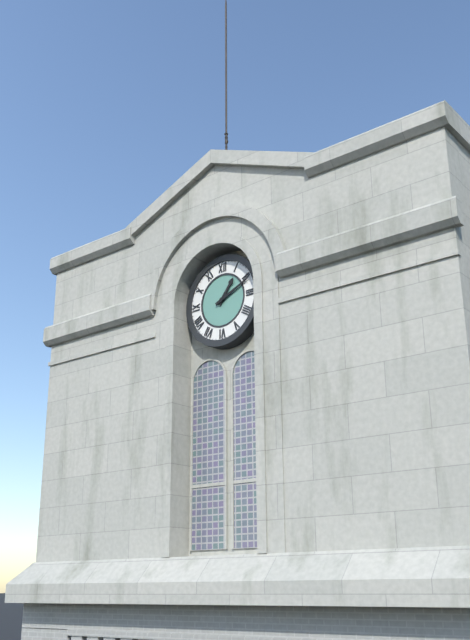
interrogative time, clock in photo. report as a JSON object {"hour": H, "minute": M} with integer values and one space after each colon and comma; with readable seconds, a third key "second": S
{"hour": 1, "minute": 11}
